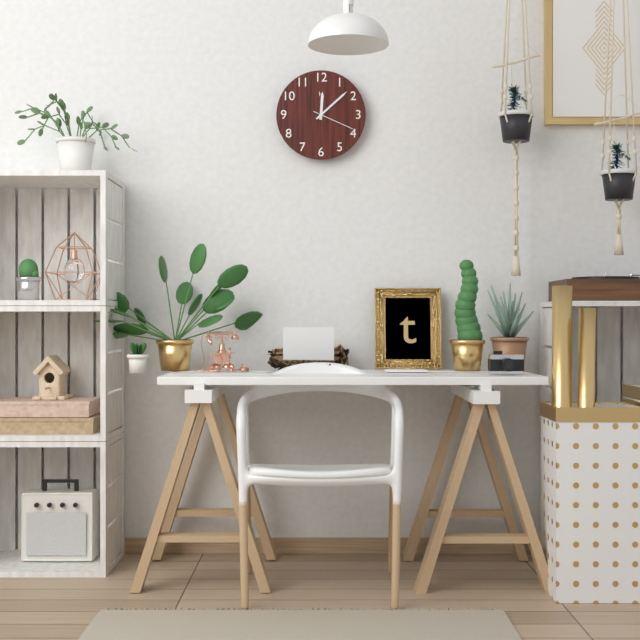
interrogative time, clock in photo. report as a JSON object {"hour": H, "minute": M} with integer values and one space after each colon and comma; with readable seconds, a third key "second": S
{"hour": 12, "minute": 8}
